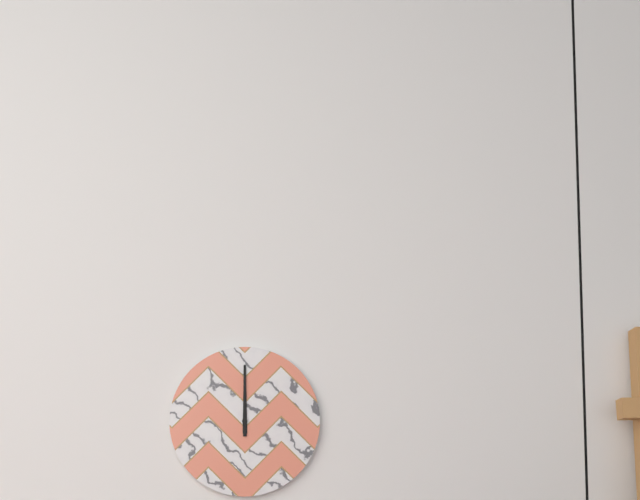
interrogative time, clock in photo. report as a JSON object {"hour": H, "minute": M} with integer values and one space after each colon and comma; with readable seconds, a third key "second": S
{"hour": 12, "minute": 0}
